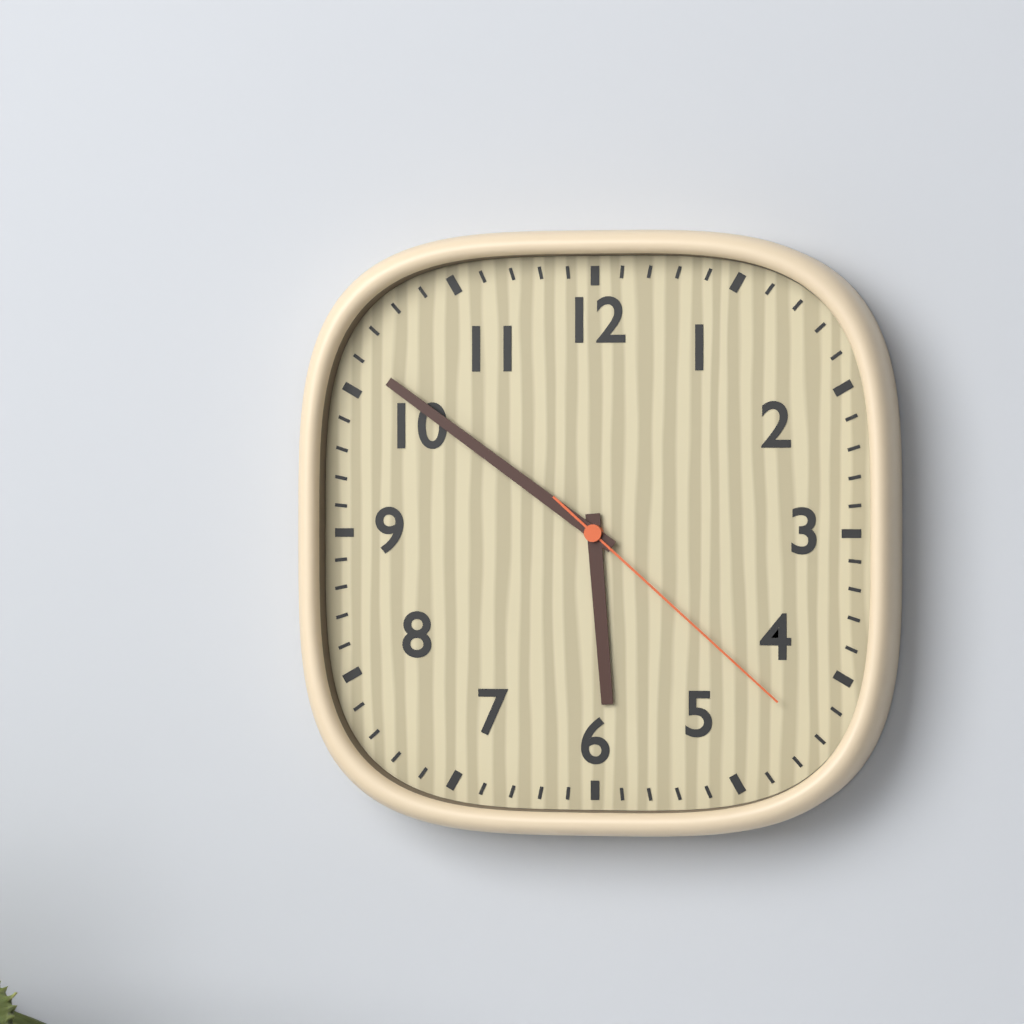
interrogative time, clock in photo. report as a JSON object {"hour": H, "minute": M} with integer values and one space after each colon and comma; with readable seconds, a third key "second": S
{"hour": 5, "minute": 51, "second": 22}
